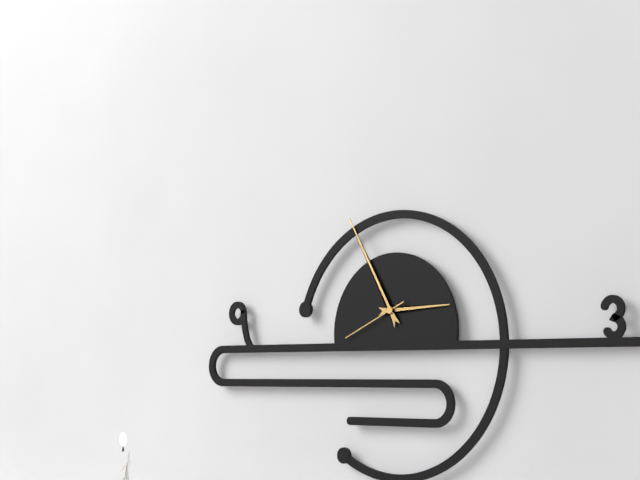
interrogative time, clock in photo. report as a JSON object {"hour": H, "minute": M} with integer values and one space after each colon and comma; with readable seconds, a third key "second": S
{"hour": 2, "minute": 55, "second": 41}
